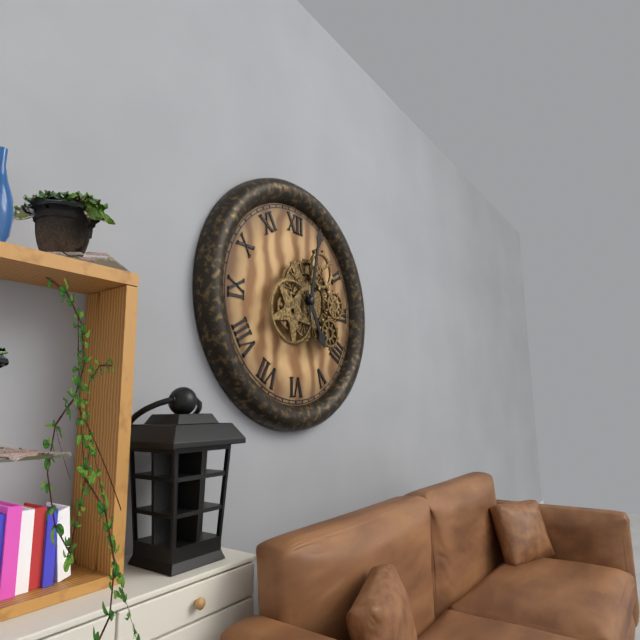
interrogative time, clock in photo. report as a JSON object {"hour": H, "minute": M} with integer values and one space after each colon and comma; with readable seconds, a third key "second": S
{"hour": 5, "minute": 2}
